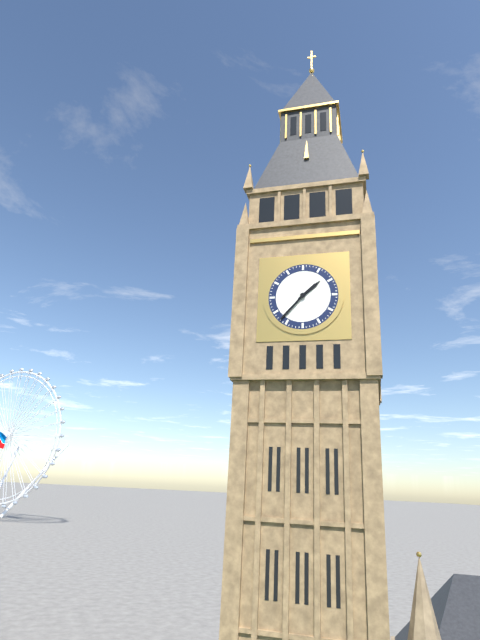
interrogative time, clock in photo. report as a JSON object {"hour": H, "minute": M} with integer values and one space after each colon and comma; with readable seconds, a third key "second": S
{"hour": 1, "minute": 37}
